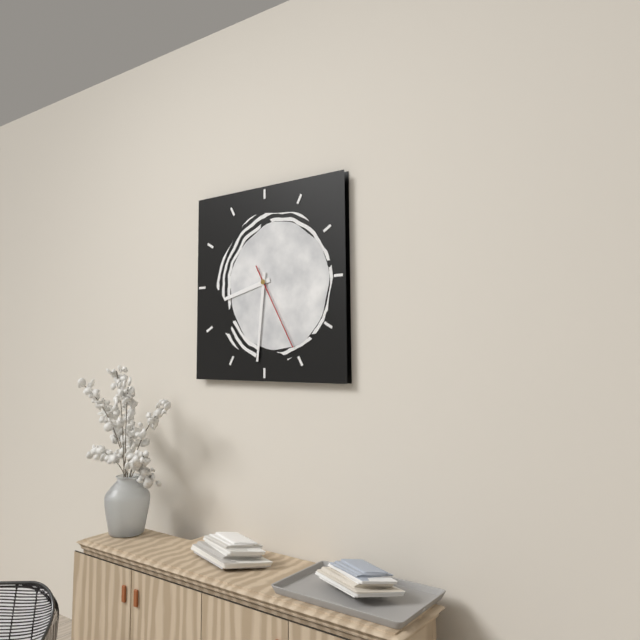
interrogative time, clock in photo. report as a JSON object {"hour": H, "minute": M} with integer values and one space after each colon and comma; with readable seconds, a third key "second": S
{"hour": 8, "minute": 31, "second": 25}
